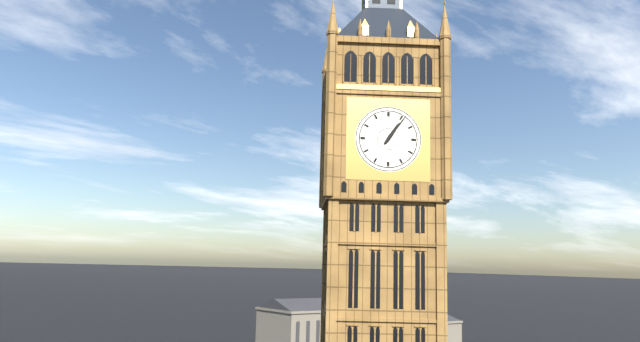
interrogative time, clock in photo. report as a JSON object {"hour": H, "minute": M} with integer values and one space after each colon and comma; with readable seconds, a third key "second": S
{"hour": 1, "minute": 6}
